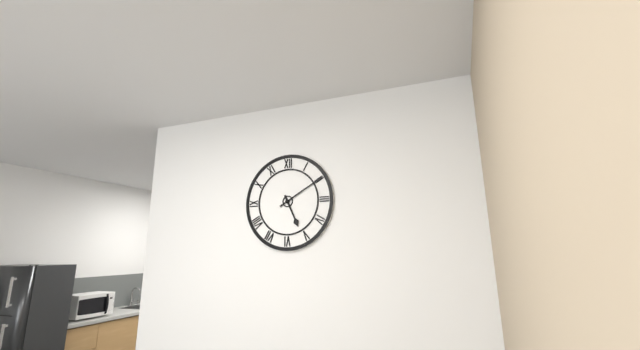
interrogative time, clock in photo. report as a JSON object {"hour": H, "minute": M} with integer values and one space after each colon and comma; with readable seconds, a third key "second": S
{"hour": 5, "minute": 10}
